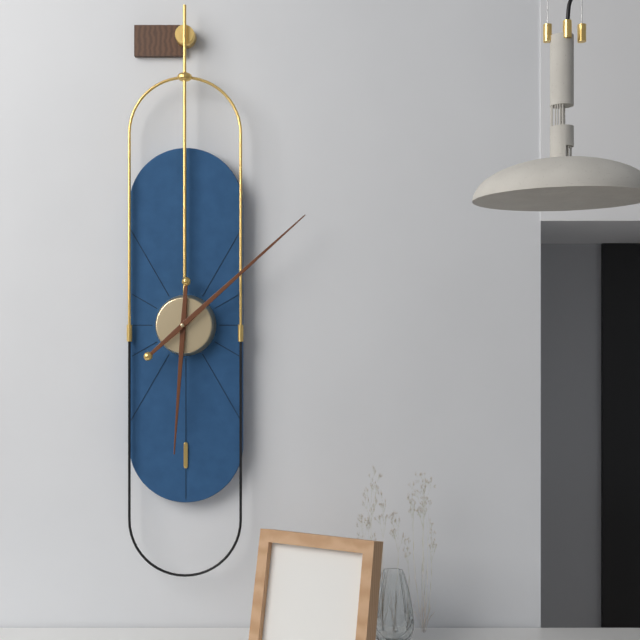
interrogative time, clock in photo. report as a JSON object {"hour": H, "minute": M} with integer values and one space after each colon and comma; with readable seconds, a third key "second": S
{"hour": 6, "minute": 8}
